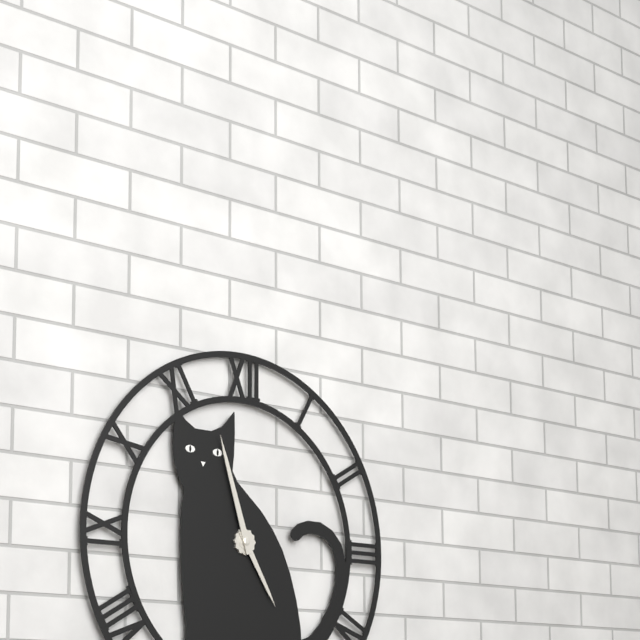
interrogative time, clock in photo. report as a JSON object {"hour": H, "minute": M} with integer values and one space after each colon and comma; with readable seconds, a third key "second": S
{"hour": 4, "minute": 57}
